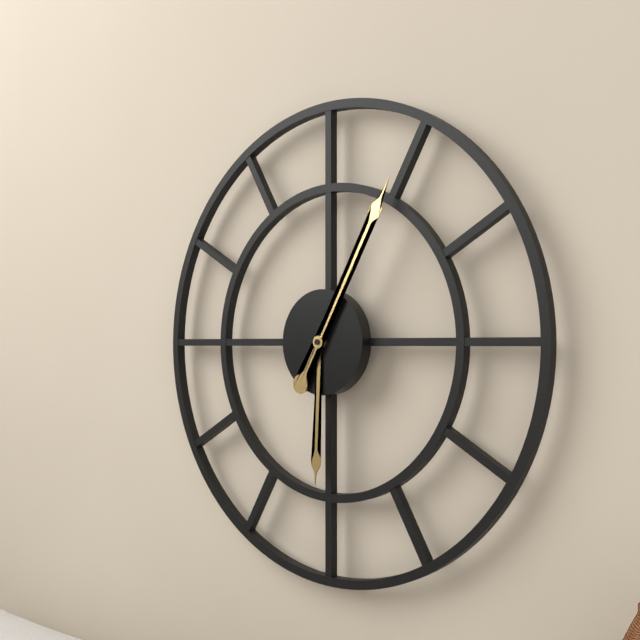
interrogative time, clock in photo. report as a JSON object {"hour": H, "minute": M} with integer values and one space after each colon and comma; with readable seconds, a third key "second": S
{"hour": 6, "minute": 5}
